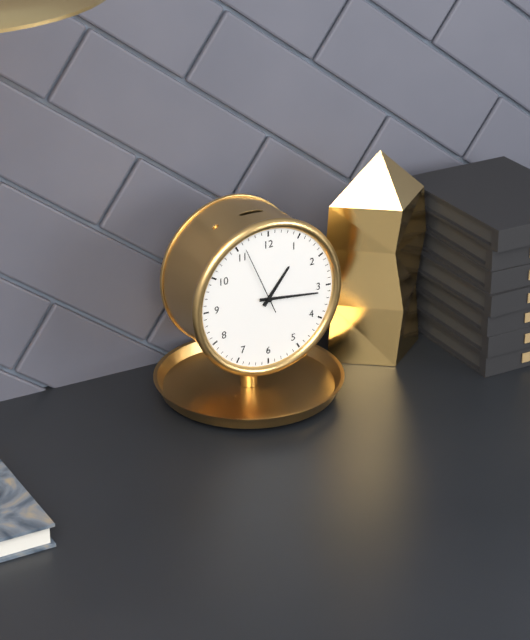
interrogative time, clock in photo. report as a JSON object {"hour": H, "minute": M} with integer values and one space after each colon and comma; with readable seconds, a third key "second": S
{"hour": 1, "minute": 16, "second": 56}
